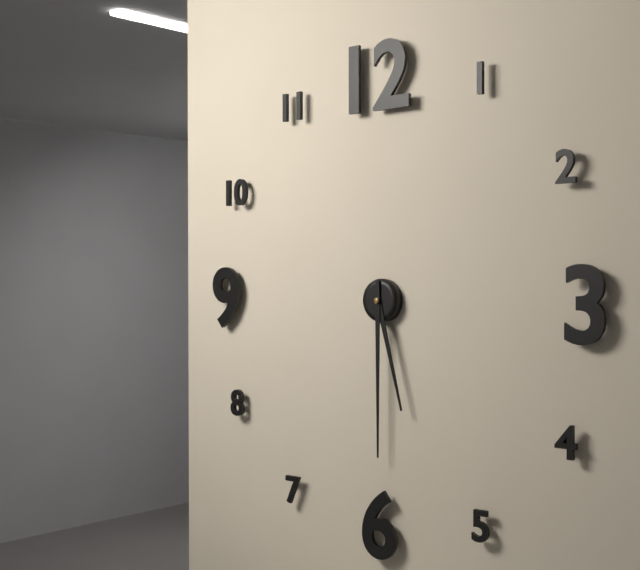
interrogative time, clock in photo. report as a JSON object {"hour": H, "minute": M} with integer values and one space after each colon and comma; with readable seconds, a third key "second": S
{"hour": 5, "minute": 30}
